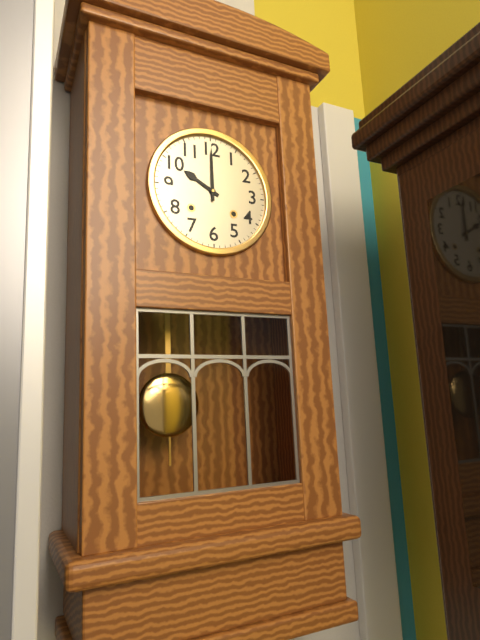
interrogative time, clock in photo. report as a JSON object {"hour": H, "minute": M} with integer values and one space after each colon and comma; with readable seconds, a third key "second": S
{"hour": 10, "minute": 0}
